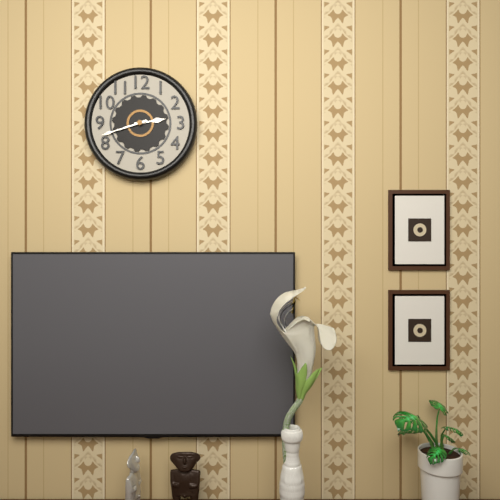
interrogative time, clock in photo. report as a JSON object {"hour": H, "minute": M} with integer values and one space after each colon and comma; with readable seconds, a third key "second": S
{"hour": 2, "minute": 42}
